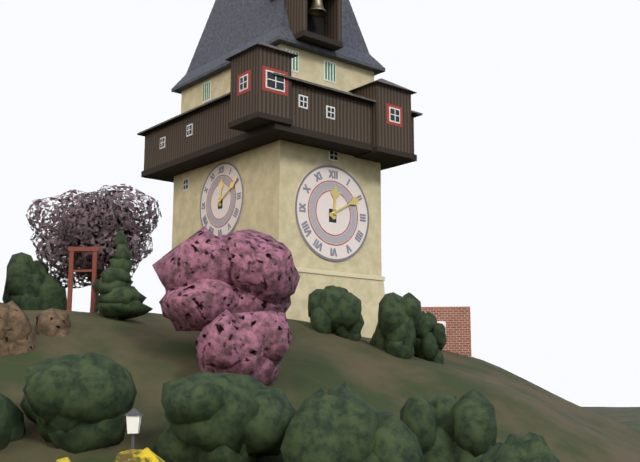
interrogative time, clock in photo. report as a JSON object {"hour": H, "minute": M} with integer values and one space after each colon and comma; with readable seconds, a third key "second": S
{"hour": 12, "minute": 10}
